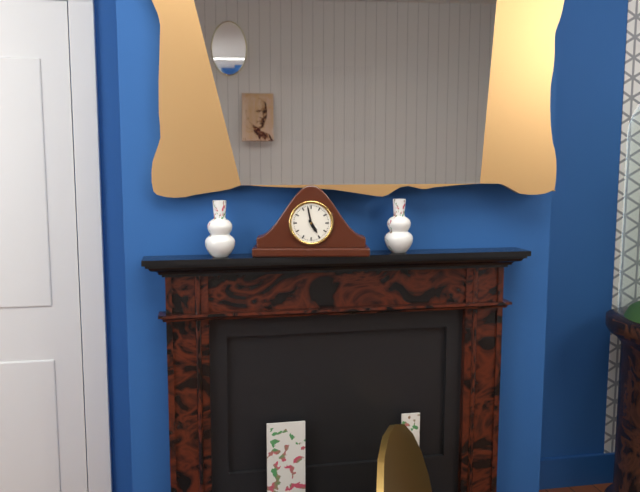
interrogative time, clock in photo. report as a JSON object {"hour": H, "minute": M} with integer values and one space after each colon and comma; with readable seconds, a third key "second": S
{"hour": 4, "minute": 58}
